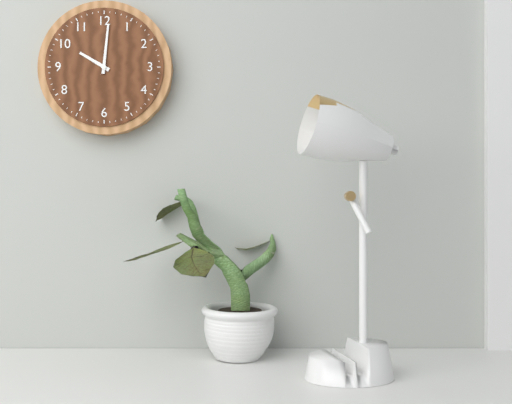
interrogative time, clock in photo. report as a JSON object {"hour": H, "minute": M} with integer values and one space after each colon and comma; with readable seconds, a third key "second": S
{"hour": 10, "minute": 1}
